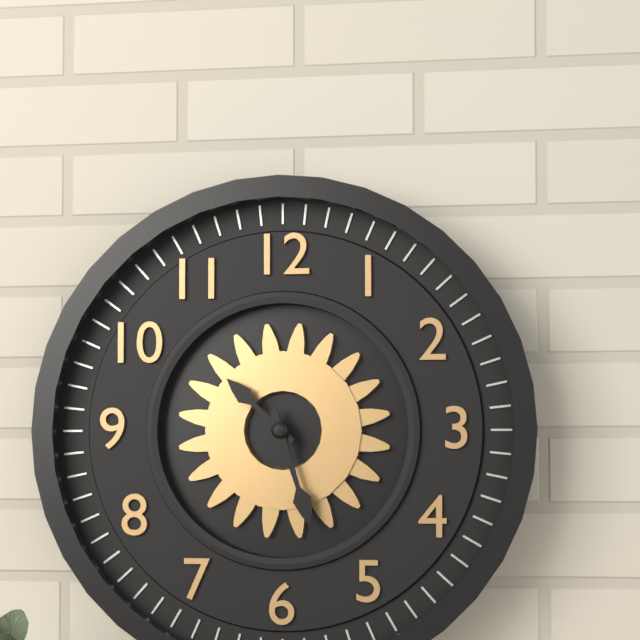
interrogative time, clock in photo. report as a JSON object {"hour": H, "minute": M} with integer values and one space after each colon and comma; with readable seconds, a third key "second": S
{"hour": 10, "minute": 27}
